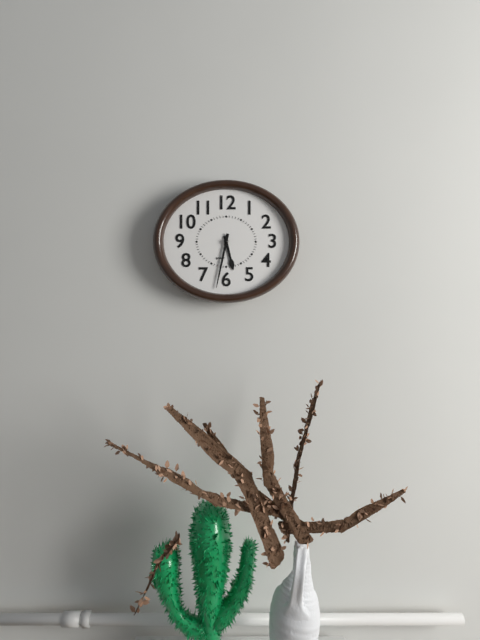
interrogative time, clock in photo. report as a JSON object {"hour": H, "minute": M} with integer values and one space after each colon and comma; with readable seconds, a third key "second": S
{"hour": 5, "minute": 32}
